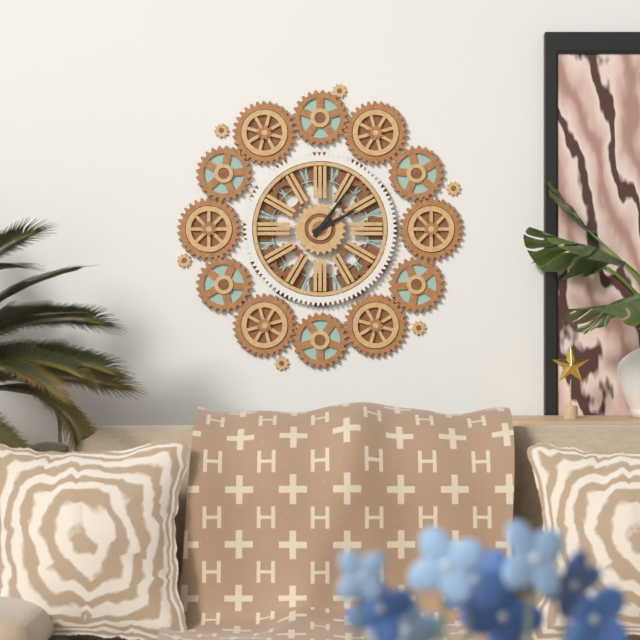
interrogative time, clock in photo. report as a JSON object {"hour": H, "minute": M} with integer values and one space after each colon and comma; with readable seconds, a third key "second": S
{"hour": 2, "minute": 6}
